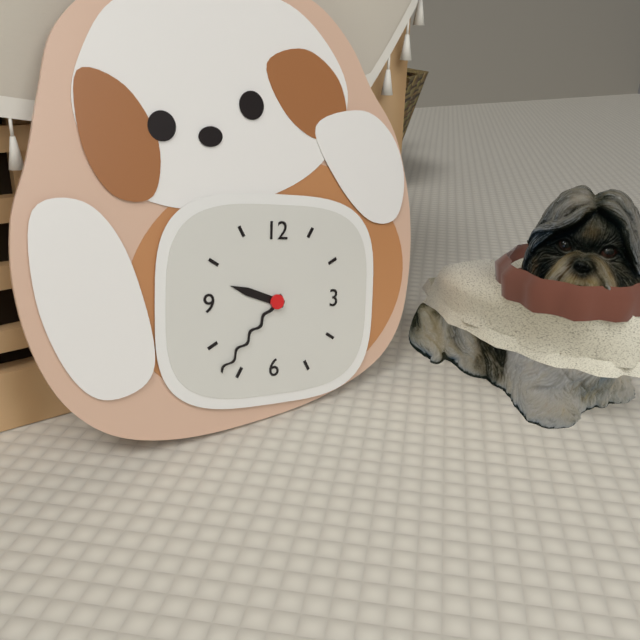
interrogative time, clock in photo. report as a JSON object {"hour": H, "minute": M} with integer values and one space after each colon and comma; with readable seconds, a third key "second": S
{"hour": 9, "minute": 37}
